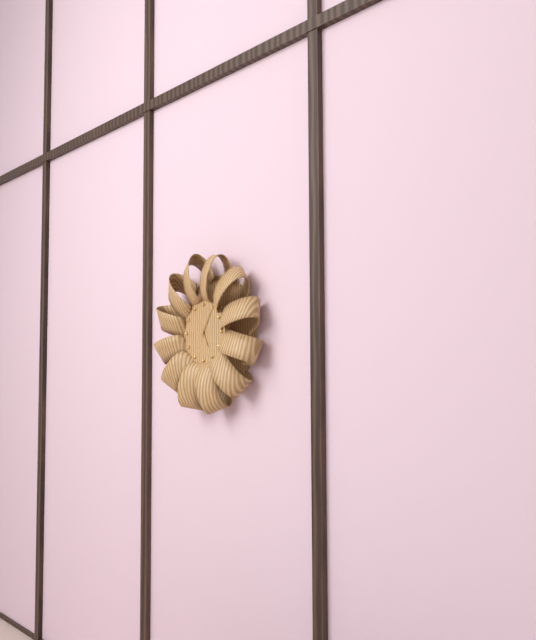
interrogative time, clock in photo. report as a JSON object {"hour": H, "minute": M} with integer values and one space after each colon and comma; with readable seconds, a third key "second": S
{"hour": 5, "minute": 5}
